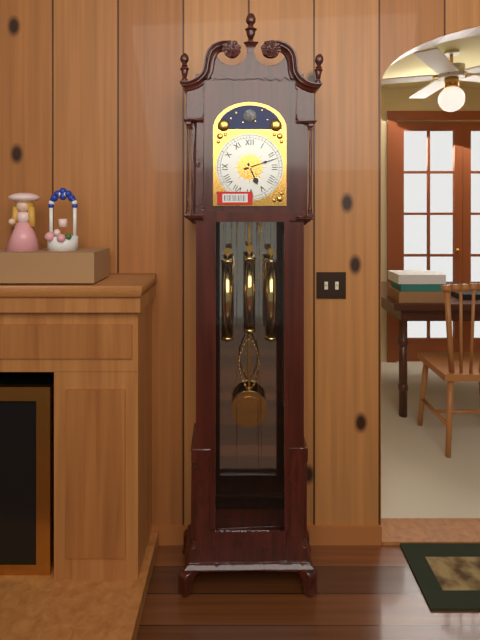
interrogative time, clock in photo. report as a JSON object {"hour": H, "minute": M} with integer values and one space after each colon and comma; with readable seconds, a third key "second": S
{"hour": 5, "minute": 12}
